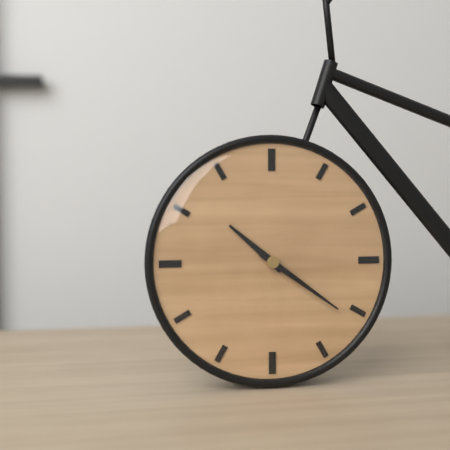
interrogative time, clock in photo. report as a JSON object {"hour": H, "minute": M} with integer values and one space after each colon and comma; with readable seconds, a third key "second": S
{"hour": 10, "minute": 21}
